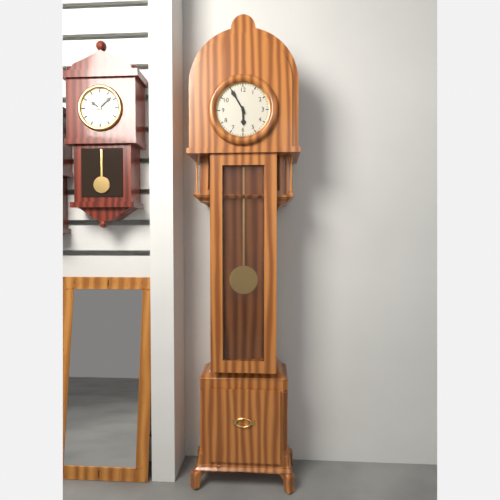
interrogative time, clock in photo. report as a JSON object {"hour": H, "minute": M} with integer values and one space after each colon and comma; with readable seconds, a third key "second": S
{"hour": 5, "minute": 55}
